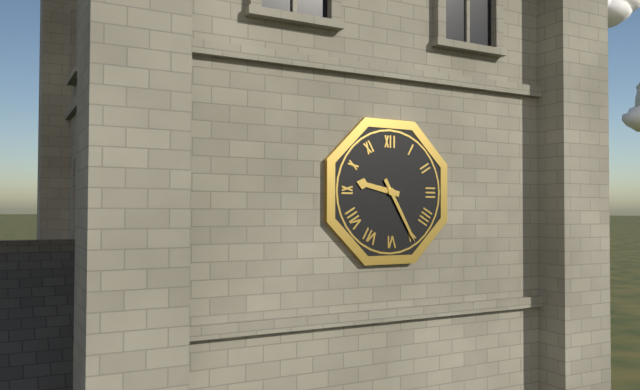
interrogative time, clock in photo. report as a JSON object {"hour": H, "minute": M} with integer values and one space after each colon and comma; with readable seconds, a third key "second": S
{"hour": 9, "minute": 25}
